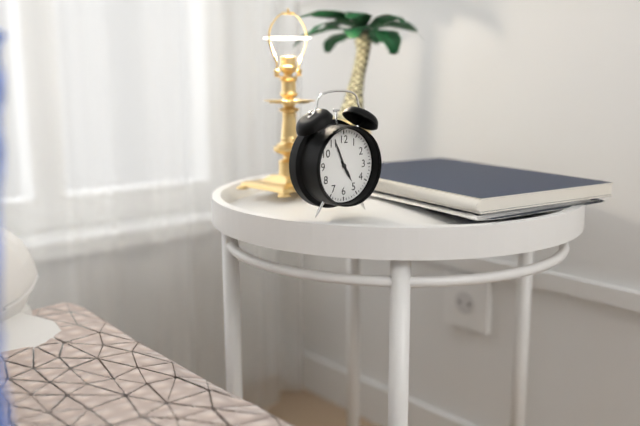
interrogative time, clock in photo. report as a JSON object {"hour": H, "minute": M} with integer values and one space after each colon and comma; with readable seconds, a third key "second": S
{"hour": 4, "minute": 56}
